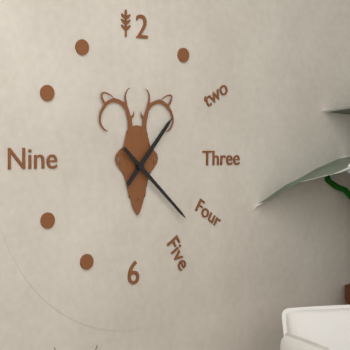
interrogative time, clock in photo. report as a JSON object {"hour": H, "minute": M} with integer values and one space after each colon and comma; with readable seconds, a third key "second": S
{"hour": 1, "minute": 22}
